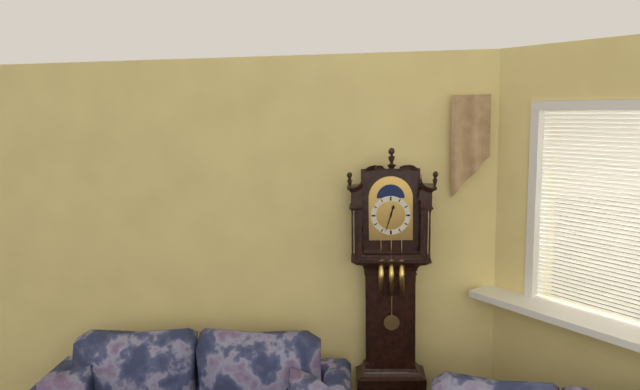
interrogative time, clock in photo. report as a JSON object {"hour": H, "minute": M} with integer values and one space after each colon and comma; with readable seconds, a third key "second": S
{"hour": 12, "minute": 33}
